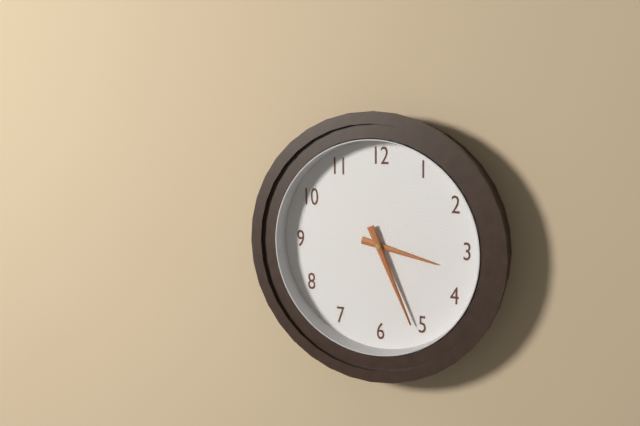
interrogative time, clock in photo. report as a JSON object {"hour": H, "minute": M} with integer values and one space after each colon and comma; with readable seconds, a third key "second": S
{"hour": 3, "minute": 26}
